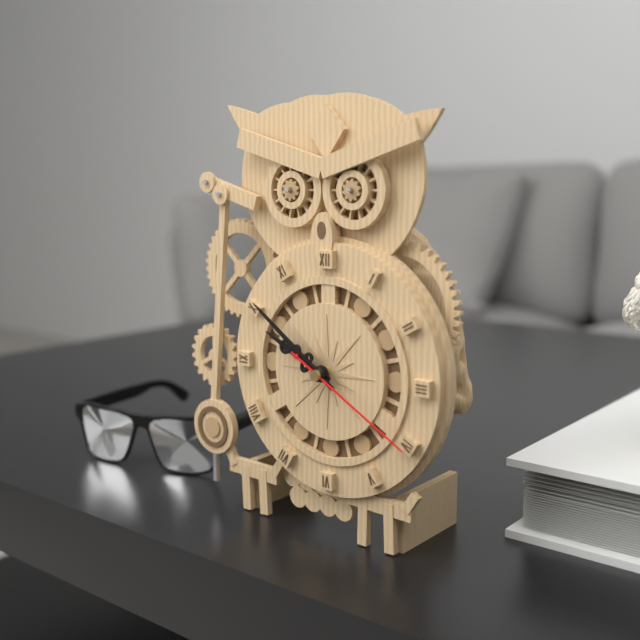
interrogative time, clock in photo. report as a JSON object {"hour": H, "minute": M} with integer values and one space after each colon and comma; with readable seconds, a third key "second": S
{"hour": 9, "minute": 51, "second": 20}
